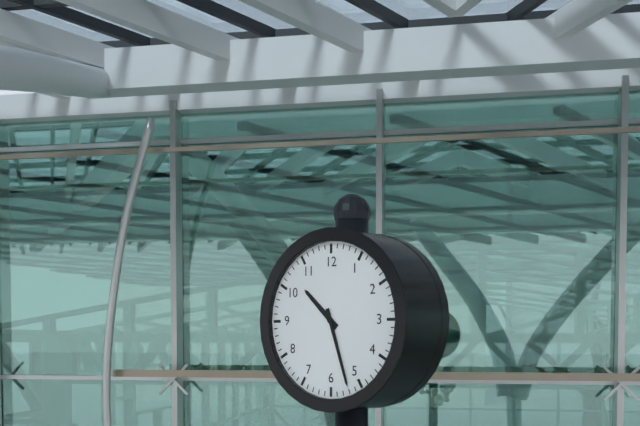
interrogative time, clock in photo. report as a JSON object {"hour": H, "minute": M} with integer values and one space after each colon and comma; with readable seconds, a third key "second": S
{"hour": 10, "minute": 27}
